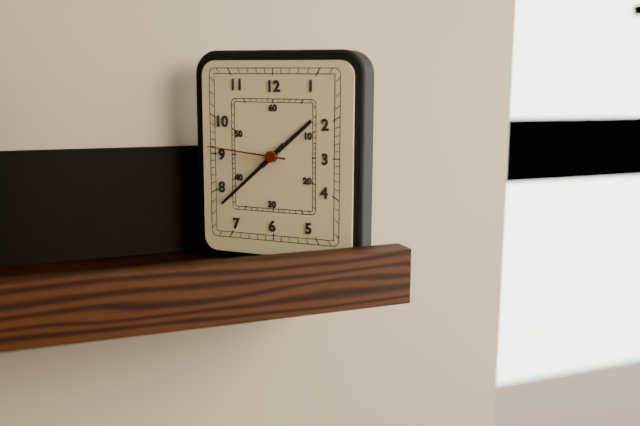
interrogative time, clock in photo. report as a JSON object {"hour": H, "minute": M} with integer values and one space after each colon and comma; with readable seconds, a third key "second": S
{"hour": 1, "minute": 38, "second": 46}
